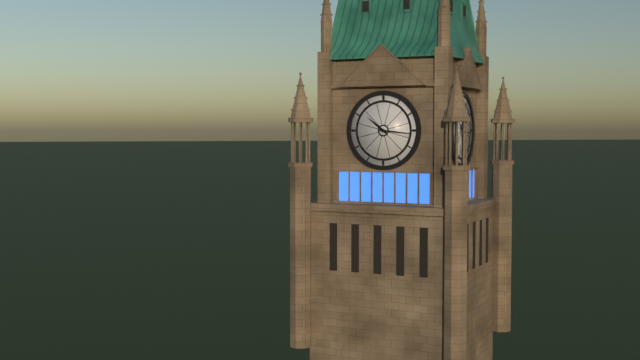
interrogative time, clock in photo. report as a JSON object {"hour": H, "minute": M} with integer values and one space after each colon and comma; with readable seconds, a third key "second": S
{"hour": 10, "minute": 16}
